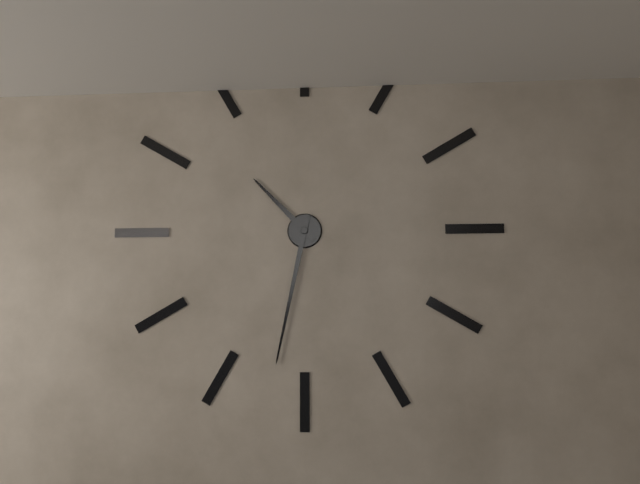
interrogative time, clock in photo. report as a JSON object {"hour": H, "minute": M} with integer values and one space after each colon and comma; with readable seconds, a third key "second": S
{"hour": 10, "minute": 32}
